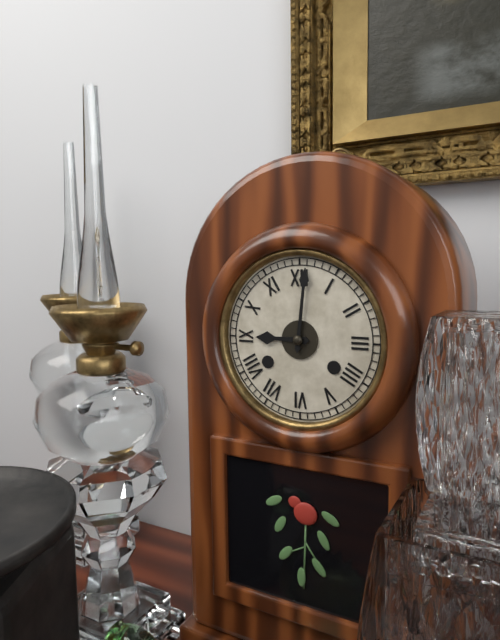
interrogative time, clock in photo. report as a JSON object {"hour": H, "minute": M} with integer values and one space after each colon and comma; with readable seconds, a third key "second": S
{"hour": 9, "minute": 1}
